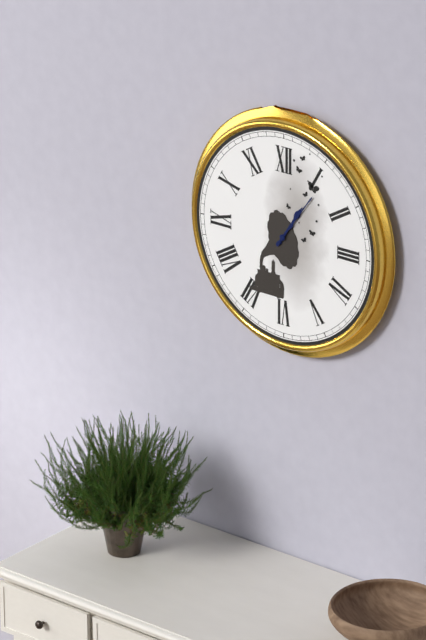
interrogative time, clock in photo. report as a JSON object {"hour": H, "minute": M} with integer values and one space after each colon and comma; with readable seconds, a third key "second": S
{"hour": 1, "minute": 6}
